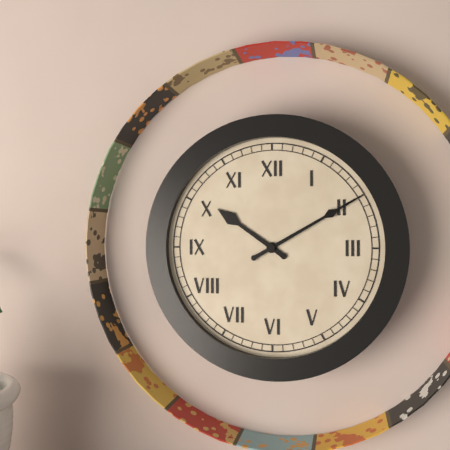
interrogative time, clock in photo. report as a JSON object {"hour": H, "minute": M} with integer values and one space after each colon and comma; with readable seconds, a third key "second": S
{"hour": 10, "minute": 10}
